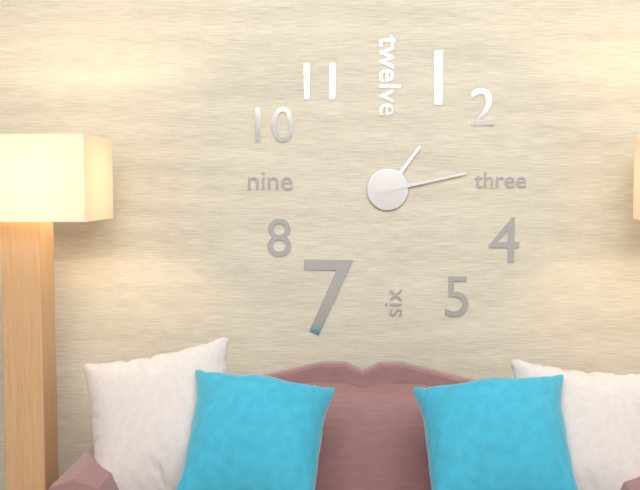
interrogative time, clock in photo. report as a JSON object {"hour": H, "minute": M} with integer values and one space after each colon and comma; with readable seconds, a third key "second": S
{"hour": 1, "minute": 13}
